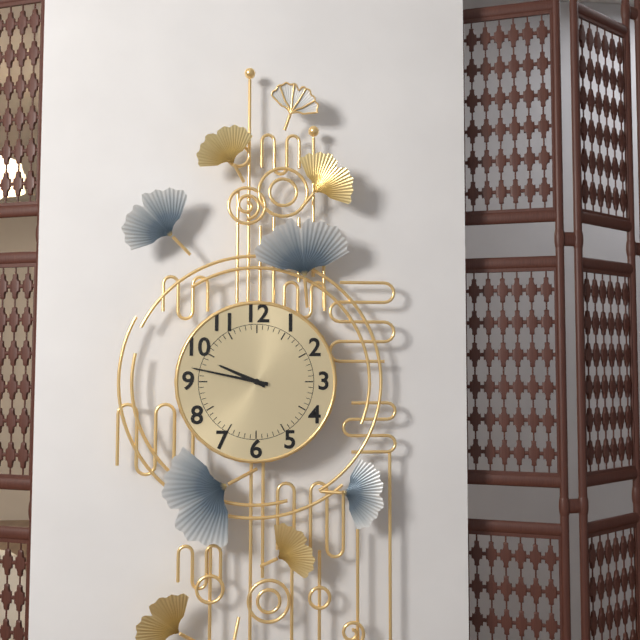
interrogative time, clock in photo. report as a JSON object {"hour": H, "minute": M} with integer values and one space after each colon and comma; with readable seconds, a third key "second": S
{"hour": 9, "minute": 47}
